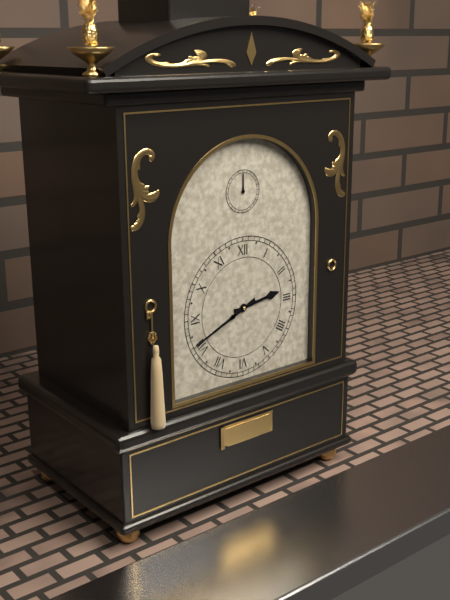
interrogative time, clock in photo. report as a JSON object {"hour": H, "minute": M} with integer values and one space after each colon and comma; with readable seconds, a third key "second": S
{"hour": 2, "minute": 41}
